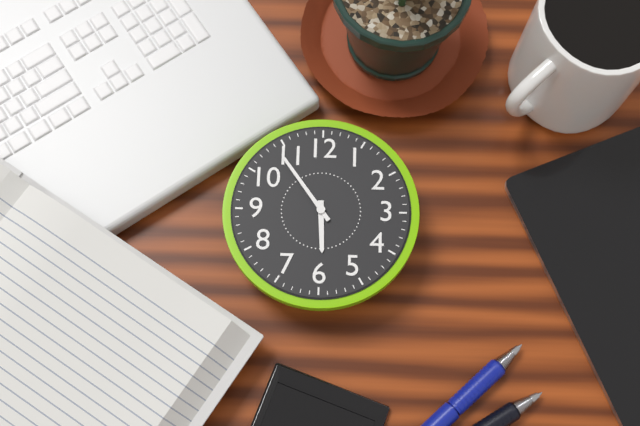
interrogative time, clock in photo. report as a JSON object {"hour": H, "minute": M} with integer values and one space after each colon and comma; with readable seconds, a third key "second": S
{"hour": 5, "minute": 54}
